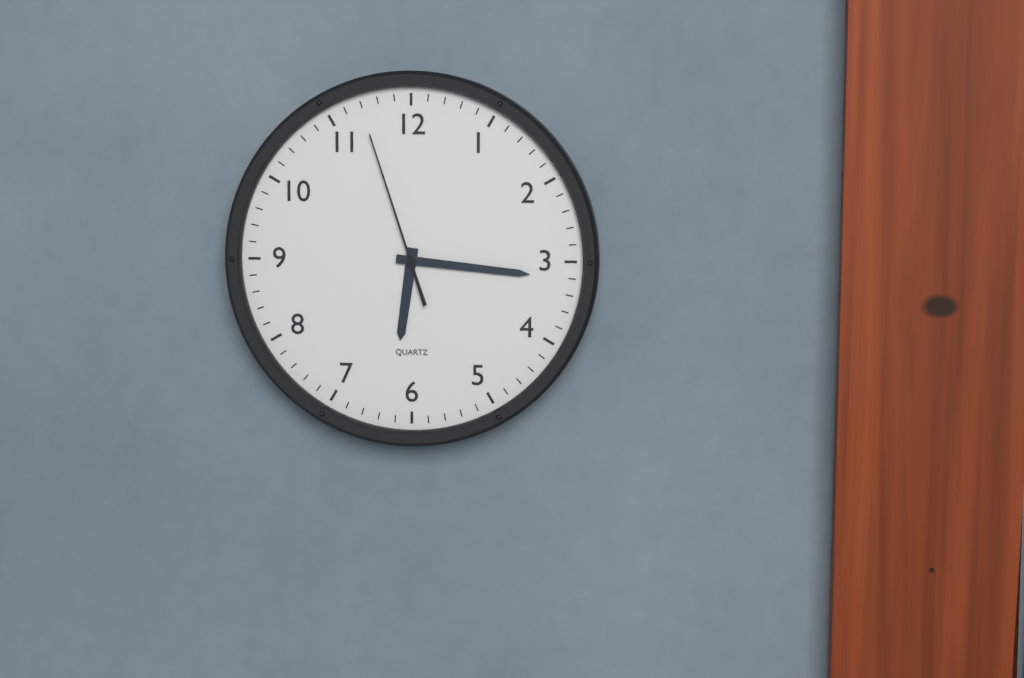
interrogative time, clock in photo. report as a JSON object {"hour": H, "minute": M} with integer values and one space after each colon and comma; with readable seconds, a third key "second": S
{"hour": 6, "minute": 16, "second": 57}
